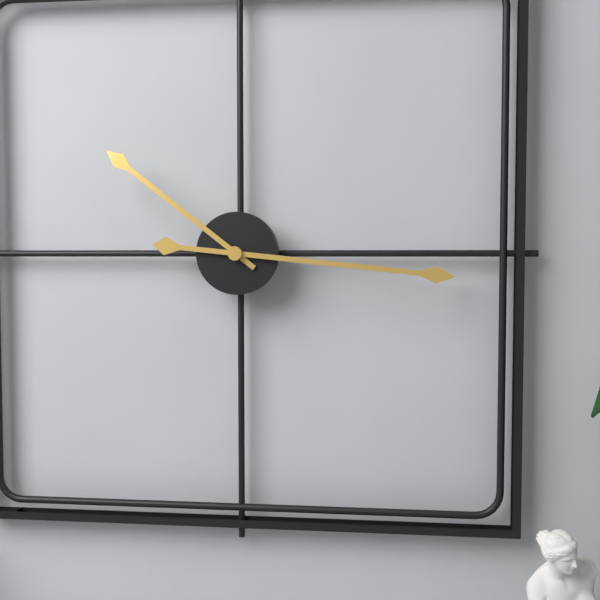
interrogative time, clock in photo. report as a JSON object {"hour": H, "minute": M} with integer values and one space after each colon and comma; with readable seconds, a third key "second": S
{"hour": 10, "minute": 16}
